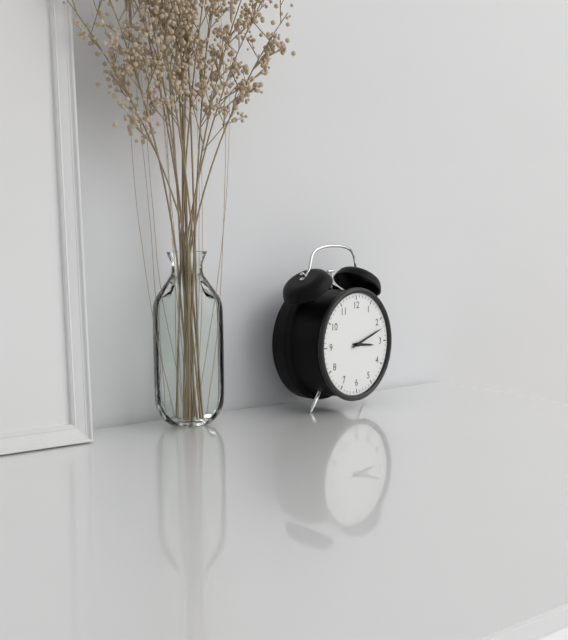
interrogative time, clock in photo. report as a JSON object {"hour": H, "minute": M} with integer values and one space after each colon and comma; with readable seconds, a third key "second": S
{"hour": 3, "minute": 12}
